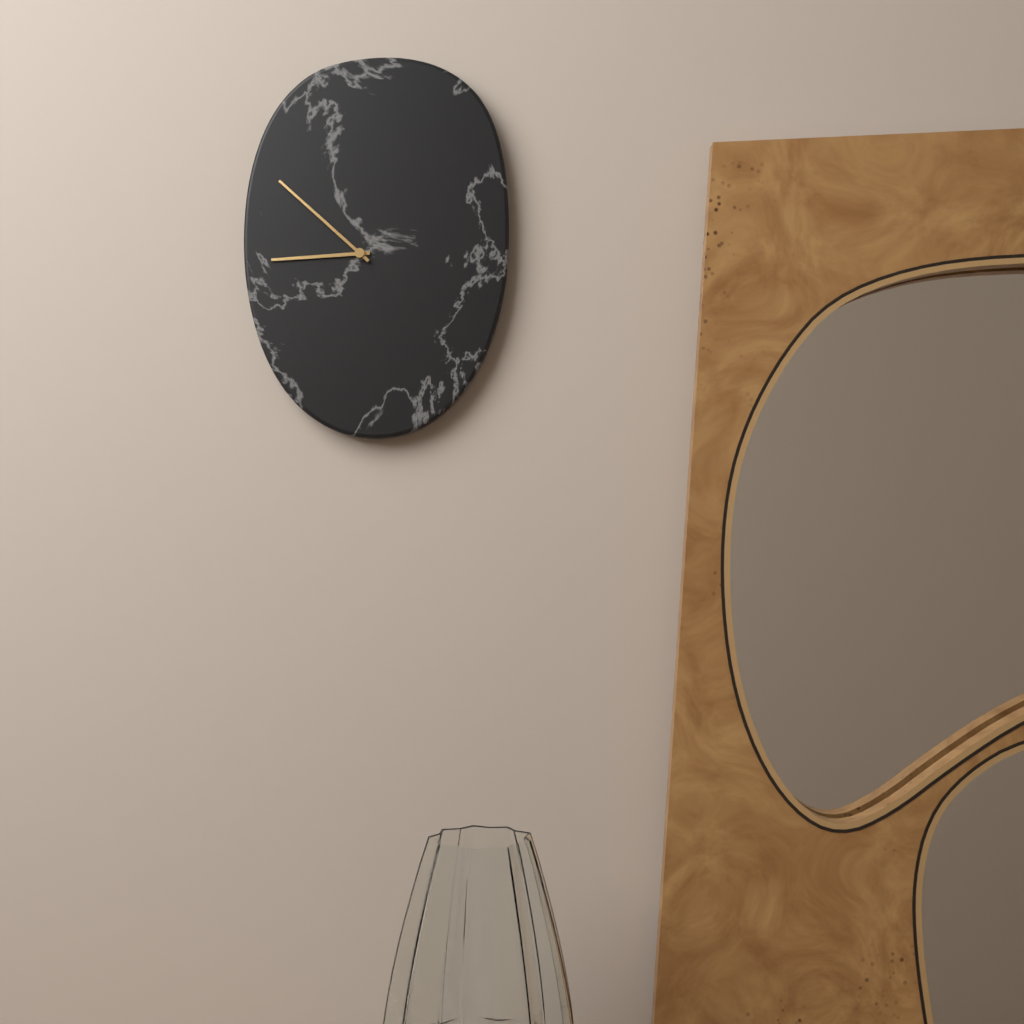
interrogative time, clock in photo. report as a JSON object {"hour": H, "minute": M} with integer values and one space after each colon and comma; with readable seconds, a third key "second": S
{"hour": 8, "minute": 52}
